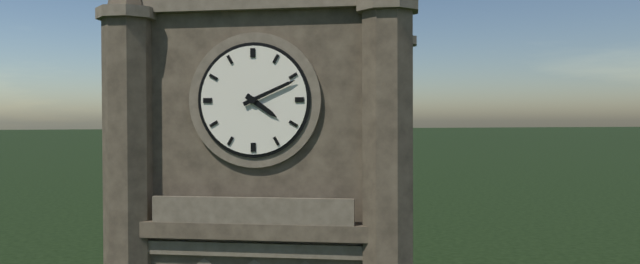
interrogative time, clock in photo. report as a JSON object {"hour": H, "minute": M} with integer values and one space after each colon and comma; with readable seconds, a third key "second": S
{"hour": 4, "minute": 11}
